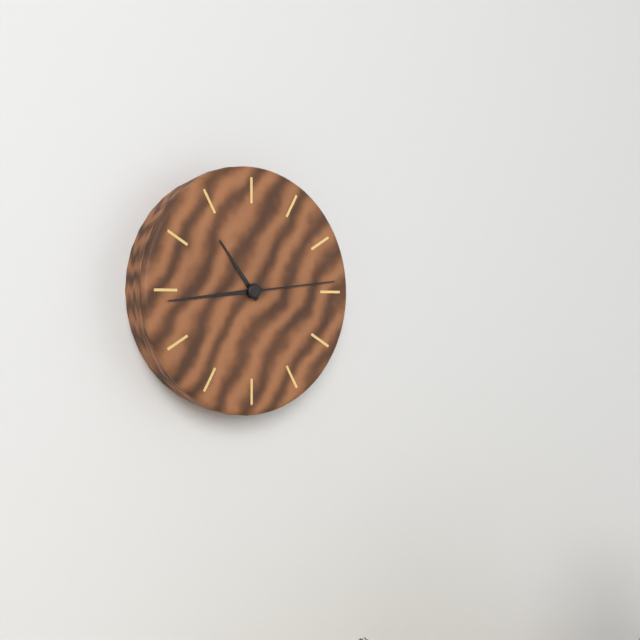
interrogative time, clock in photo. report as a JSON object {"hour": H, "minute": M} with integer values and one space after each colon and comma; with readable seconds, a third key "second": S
{"hour": 10, "minute": 44, "second": 14}
